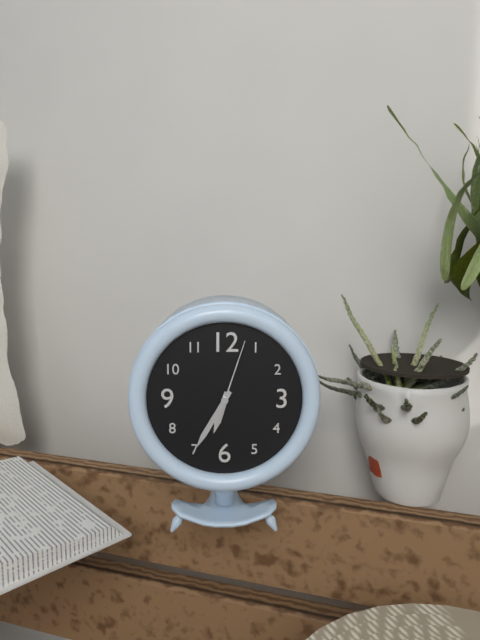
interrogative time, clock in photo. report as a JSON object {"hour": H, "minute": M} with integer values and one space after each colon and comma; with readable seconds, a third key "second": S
{"hour": 6, "minute": 35, "second": 3}
